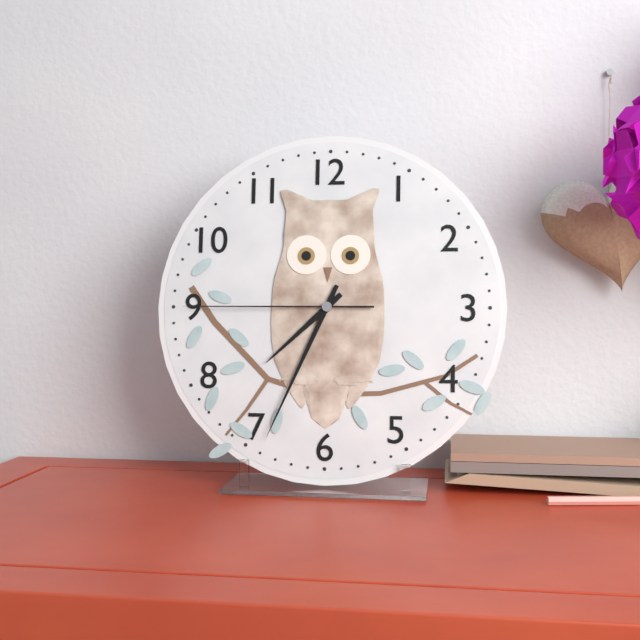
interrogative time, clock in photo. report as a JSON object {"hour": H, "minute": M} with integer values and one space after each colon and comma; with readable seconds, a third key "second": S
{"hour": 7, "minute": 34, "second": 45}
